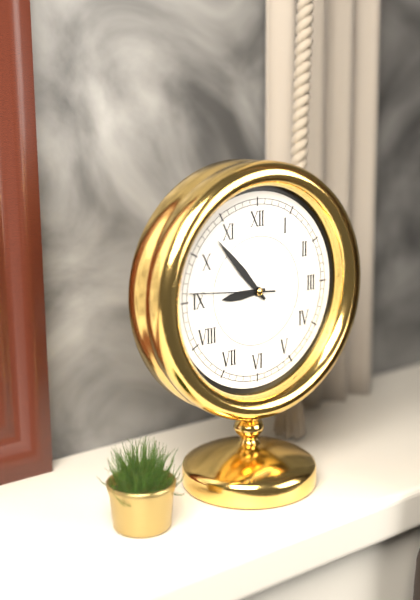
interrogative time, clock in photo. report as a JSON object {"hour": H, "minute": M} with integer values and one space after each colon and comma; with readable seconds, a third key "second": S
{"hour": 8, "minute": 53, "second": 46}
